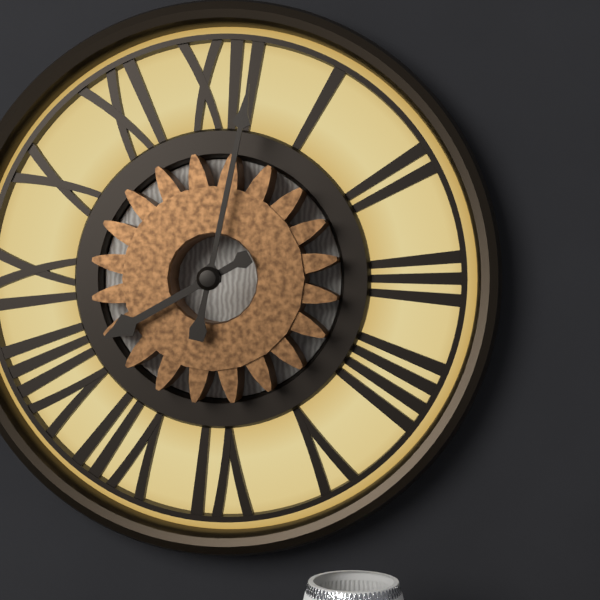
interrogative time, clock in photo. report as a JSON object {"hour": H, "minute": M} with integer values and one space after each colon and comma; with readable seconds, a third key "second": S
{"hour": 8, "minute": 2}
